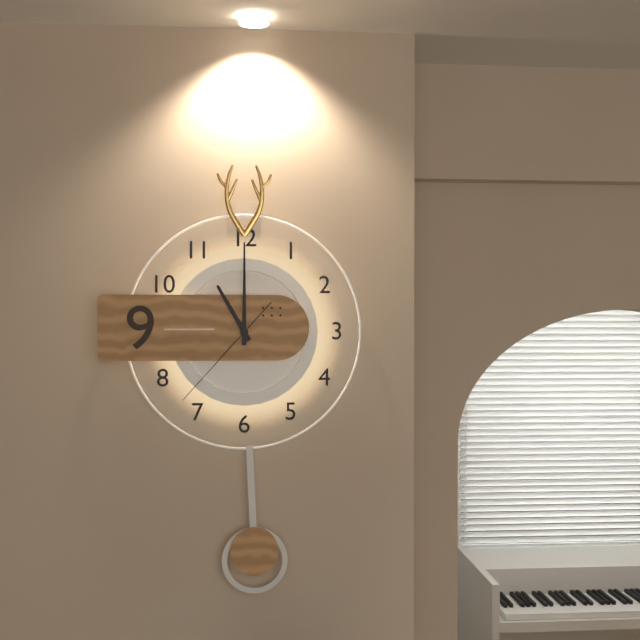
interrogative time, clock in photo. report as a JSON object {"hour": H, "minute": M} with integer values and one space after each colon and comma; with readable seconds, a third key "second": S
{"hour": 11, "minute": 0, "second": 37}
